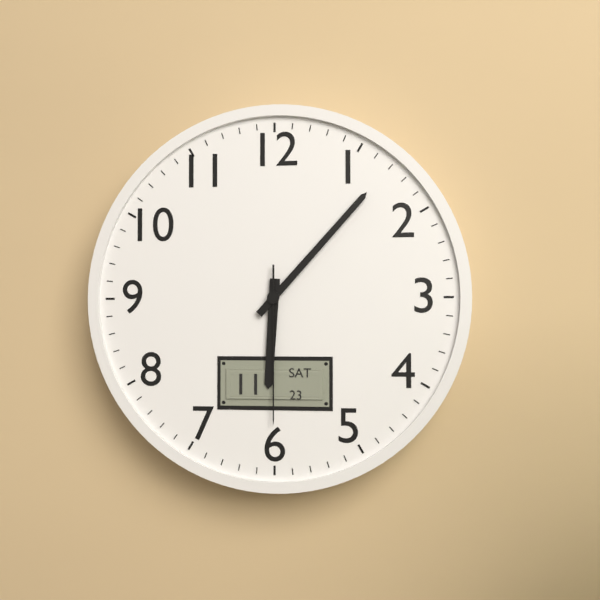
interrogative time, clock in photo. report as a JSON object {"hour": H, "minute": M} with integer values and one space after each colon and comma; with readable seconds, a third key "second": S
{"hour": 6, "minute": 7, "second": 30}
